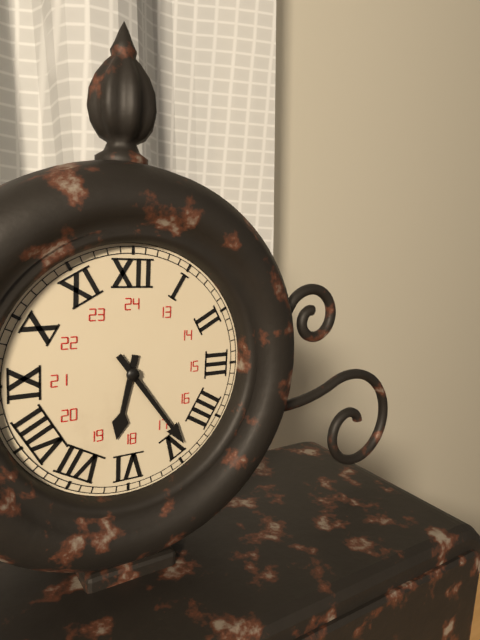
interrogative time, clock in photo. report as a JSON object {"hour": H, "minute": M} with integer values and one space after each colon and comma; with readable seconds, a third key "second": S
{"hour": 6, "minute": 24}
